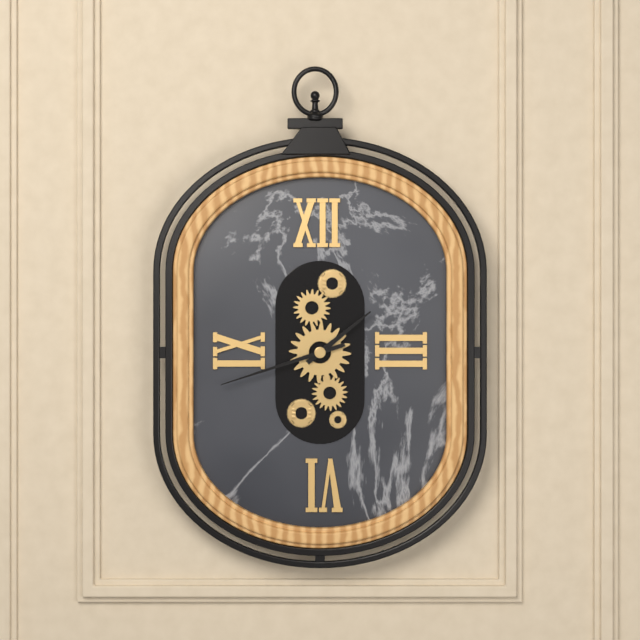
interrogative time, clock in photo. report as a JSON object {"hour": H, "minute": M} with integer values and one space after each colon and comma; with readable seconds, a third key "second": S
{"hour": 1, "minute": 42}
